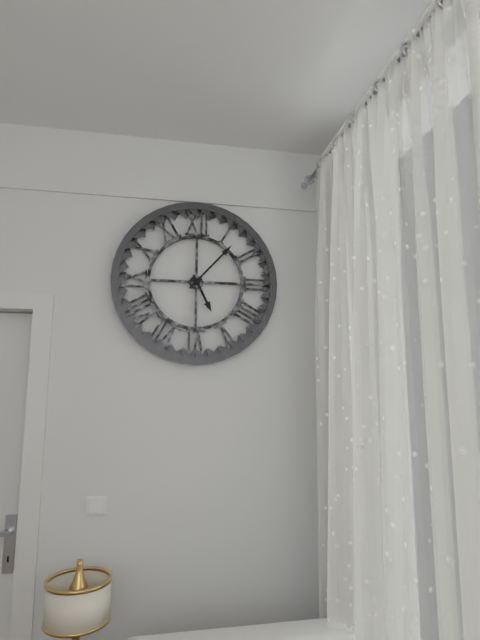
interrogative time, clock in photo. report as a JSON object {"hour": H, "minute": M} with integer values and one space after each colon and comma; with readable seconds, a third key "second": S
{"hour": 5, "minute": 7}
